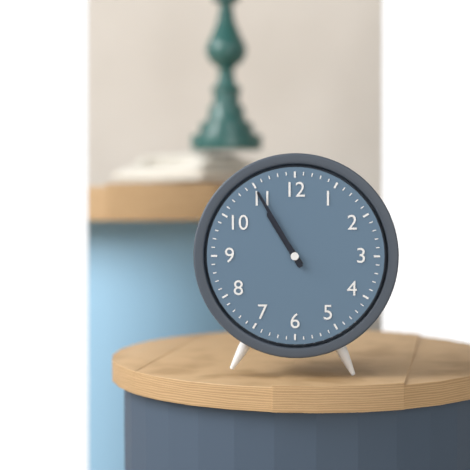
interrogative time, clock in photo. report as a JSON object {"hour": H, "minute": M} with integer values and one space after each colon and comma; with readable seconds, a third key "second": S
{"hour": 10, "minute": 55}
